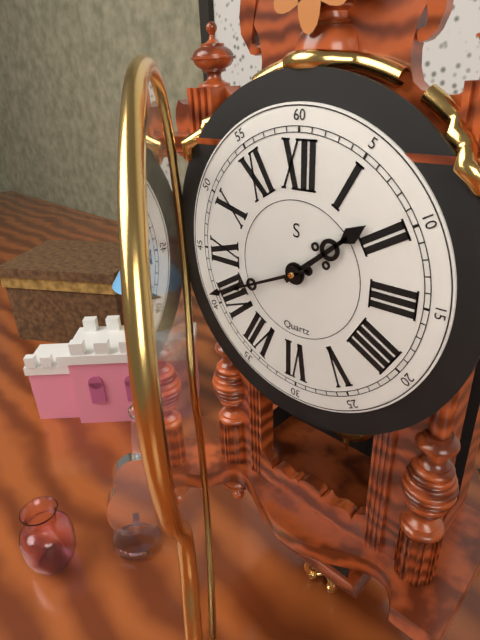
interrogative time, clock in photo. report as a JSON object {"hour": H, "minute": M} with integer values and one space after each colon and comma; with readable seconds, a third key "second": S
{"hour": 1, "minute": 41}
